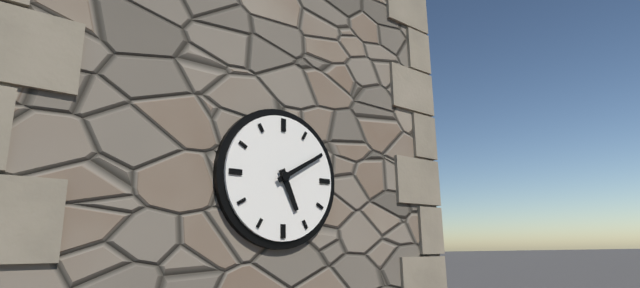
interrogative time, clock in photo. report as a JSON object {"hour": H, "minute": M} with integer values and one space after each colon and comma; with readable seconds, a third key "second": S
{"hour": 5, "minute": 10}
